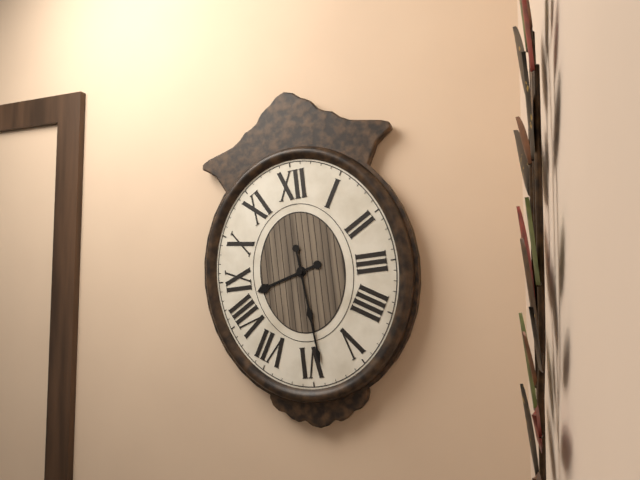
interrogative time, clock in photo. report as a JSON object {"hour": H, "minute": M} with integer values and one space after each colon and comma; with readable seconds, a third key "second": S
{"hour": 8, "minute": 29}
